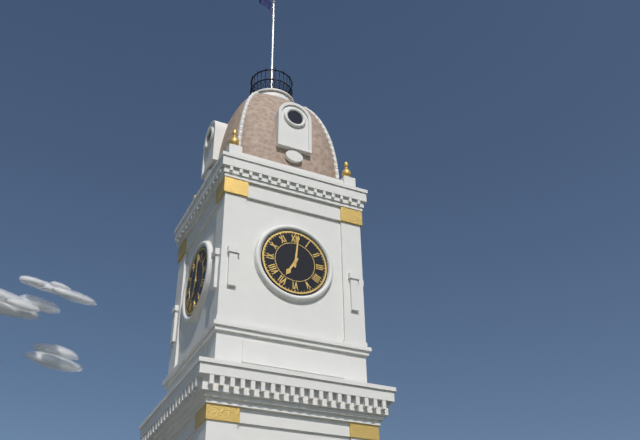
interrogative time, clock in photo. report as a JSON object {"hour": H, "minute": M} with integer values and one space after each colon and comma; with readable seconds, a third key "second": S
{"hour": 7, "minute": 1}
